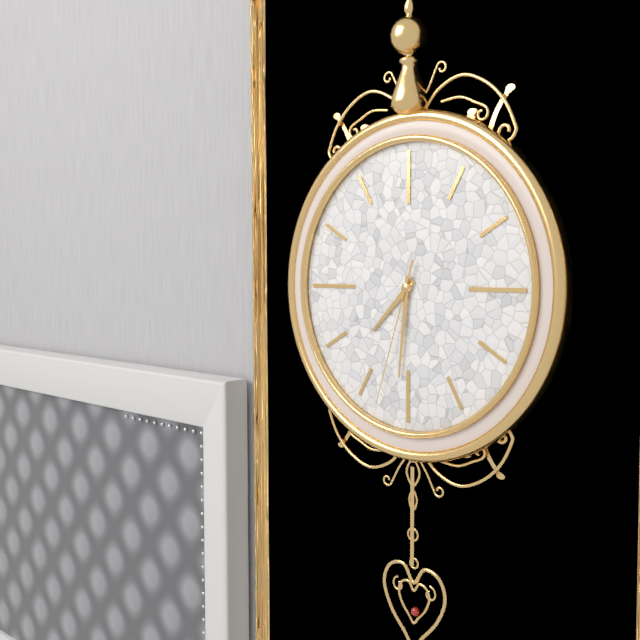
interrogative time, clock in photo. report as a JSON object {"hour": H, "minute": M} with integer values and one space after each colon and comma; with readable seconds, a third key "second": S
{"hour": 7, "minute": 31, "second": 33}
